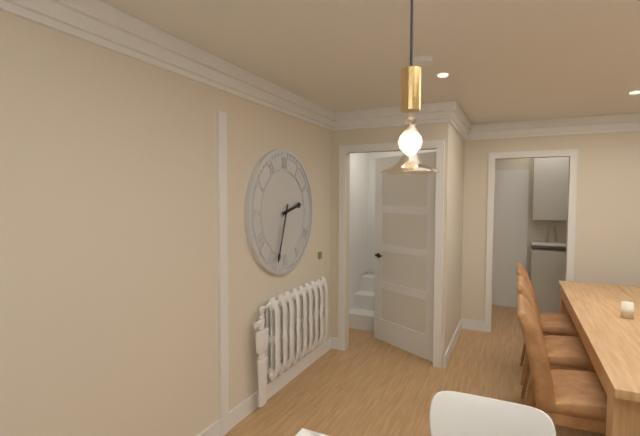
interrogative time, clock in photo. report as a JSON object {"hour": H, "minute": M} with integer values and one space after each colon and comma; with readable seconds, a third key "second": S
{"hour": 2, "minute": 33}
